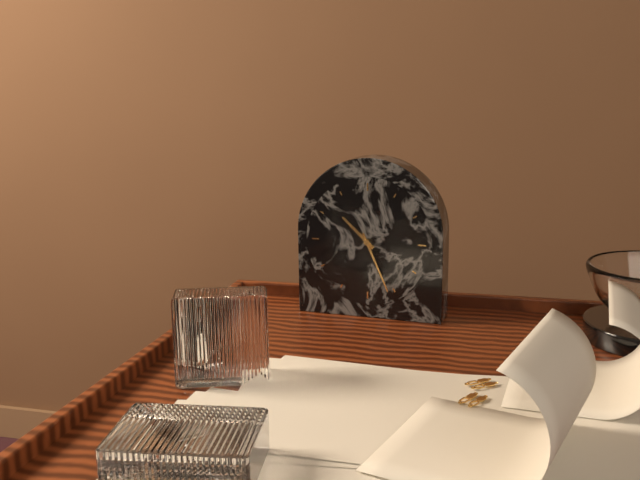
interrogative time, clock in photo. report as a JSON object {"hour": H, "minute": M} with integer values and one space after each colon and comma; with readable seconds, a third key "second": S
{"hour": 10, "minute": 26}
